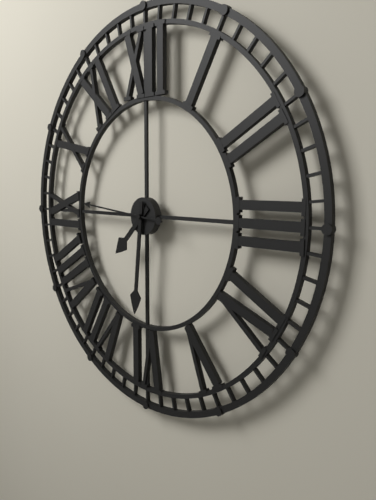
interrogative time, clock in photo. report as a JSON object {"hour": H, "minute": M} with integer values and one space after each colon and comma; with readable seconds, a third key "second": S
{"hour": 7, "minute": 31, "second": 46}
